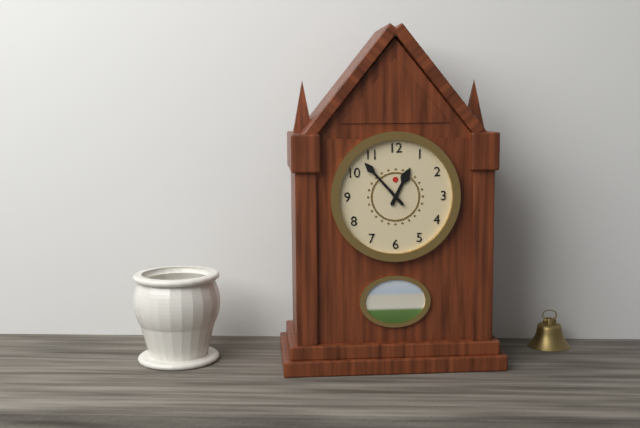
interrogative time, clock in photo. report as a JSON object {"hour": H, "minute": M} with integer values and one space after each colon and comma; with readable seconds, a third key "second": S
{"hour": 12, "minute": 53}
